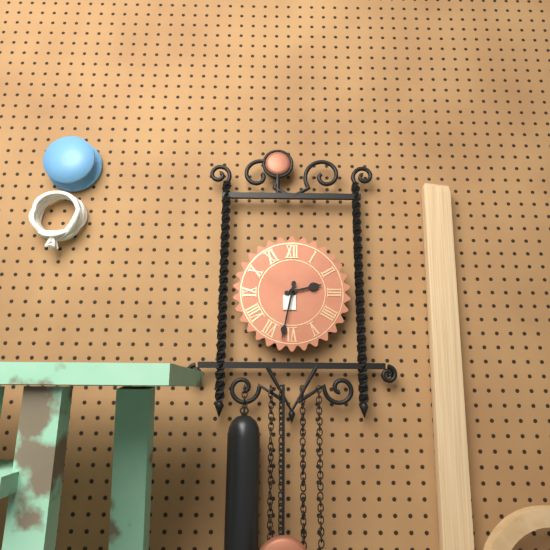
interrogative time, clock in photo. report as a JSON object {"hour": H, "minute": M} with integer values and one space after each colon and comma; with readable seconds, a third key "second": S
{"hour": 2, "minute": 32}
